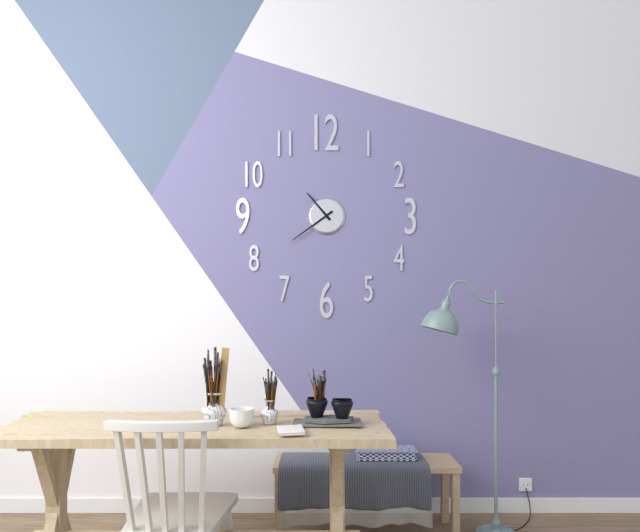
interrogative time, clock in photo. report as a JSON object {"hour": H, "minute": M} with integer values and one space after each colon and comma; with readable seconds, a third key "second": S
{"hour": 10, "minute": 39}
